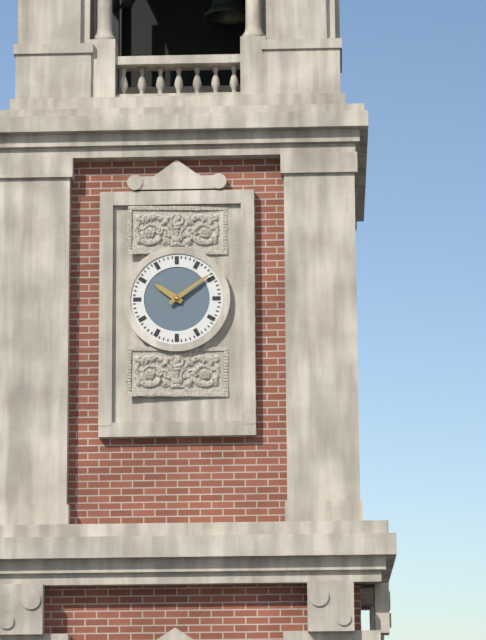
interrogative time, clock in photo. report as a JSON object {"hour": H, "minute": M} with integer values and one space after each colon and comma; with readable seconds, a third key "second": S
{"hour": 10, "minute": 9}
